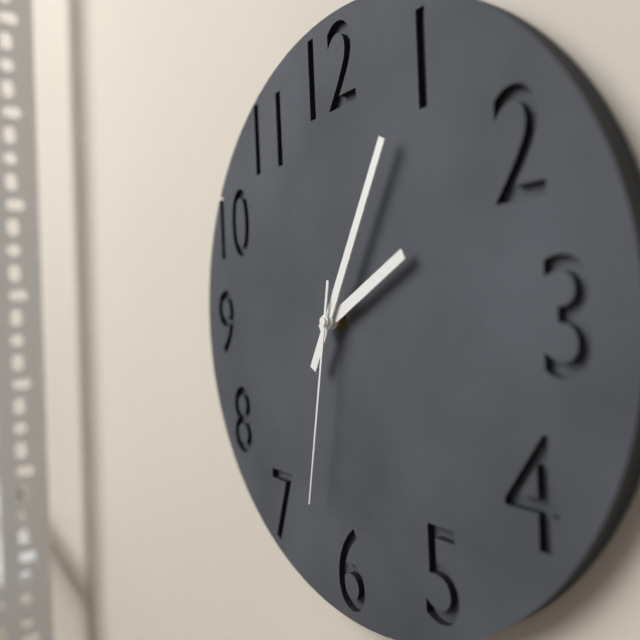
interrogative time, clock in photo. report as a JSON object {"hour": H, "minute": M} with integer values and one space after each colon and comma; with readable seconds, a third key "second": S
{"hour": 2, "minute": 5, "second": 32}
